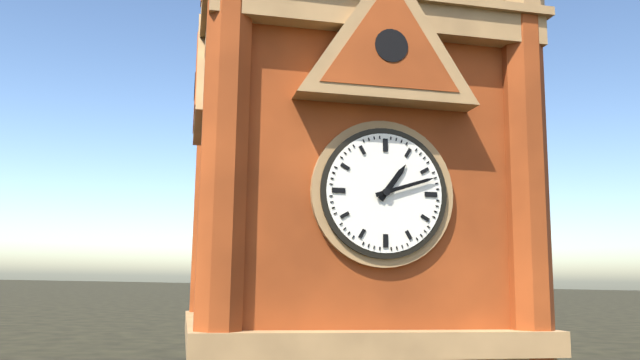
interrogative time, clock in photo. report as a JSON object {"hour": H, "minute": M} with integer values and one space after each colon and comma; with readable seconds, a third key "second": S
{"hour": 1, "minute": 12}
